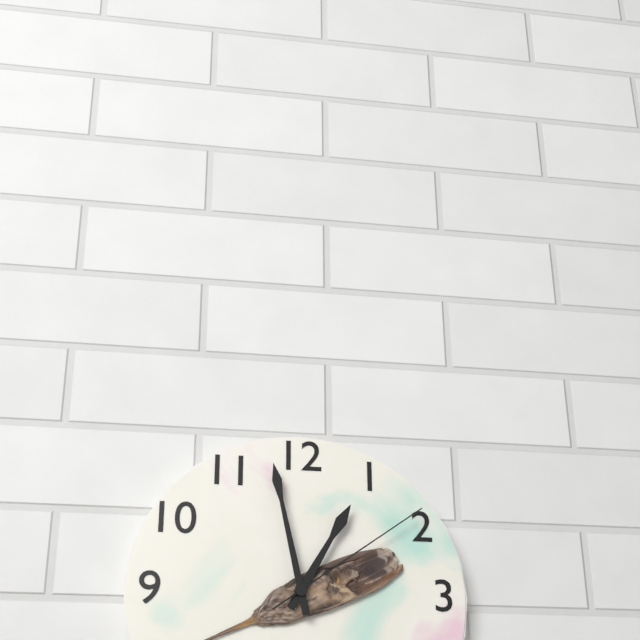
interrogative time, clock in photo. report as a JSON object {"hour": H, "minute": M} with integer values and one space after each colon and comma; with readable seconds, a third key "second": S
{"hour": 12, "minute": 58, "second": 9}
